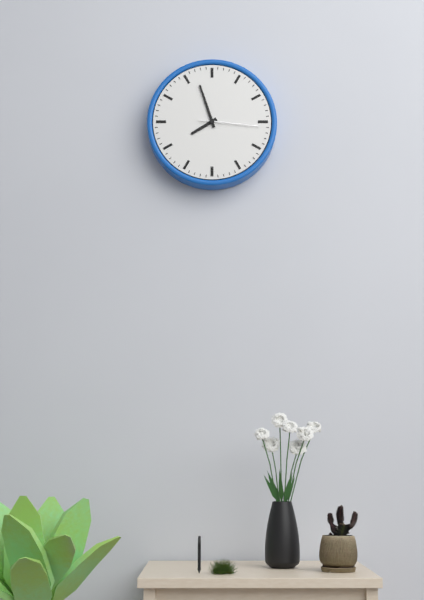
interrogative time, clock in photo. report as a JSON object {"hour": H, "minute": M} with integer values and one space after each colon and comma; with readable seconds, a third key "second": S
{"hour": 7, "minute": 57, "second": 16}
